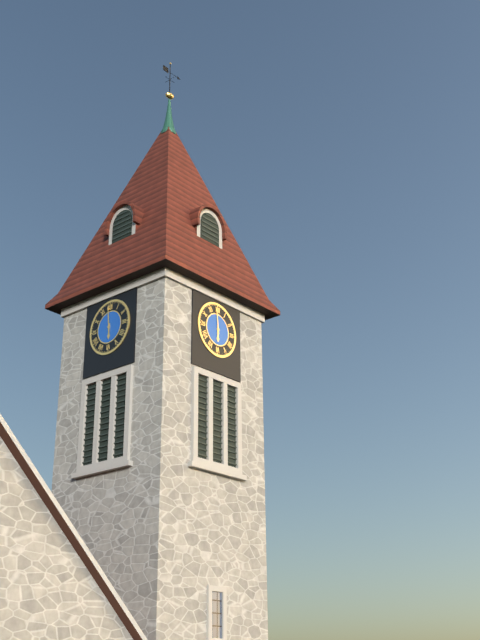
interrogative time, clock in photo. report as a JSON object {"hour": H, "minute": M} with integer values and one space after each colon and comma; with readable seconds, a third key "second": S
{"hour": 5, "minute": 59}
